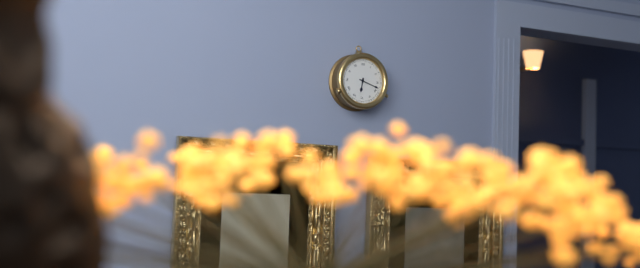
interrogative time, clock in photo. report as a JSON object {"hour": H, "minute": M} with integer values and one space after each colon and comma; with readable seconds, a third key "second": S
{"hour": 6, "minute": 18}
